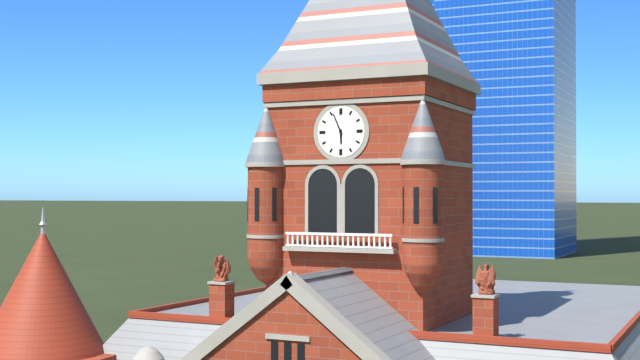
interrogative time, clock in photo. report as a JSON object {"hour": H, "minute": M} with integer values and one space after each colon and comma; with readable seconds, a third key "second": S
{"hour": 5, "minute": 56}
